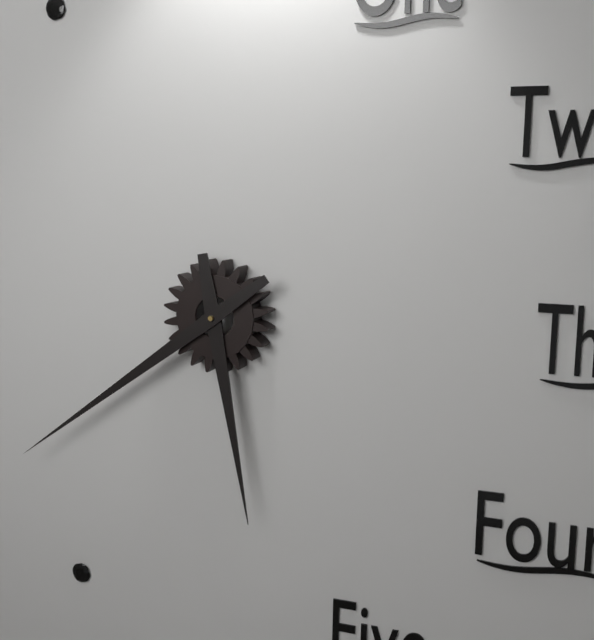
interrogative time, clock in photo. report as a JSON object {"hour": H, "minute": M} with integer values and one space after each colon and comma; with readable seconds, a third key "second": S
{"hour": 5, "minute": 39}
